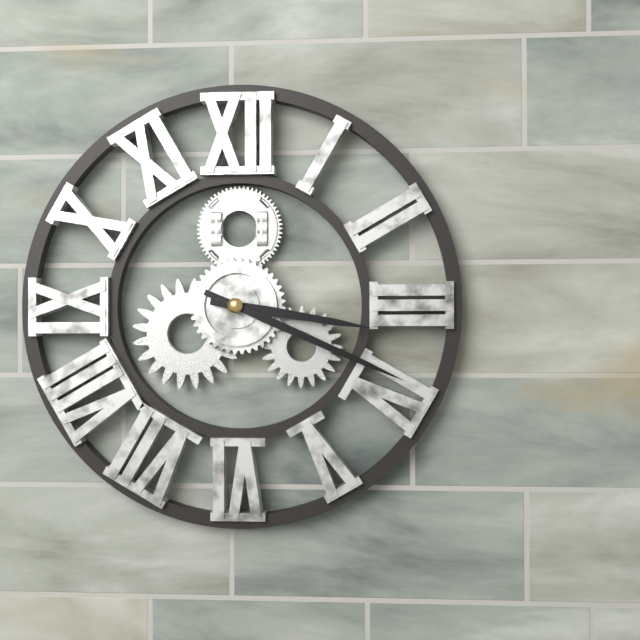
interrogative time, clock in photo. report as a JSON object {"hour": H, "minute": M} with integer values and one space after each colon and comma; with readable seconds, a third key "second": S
{"hour": 3, "minute": 19}
